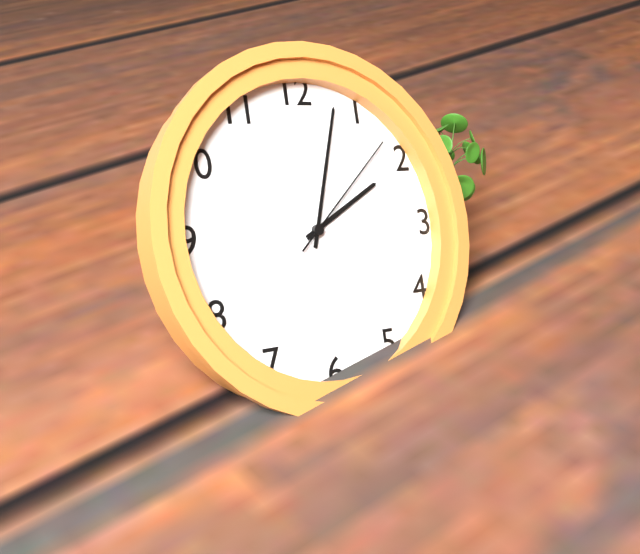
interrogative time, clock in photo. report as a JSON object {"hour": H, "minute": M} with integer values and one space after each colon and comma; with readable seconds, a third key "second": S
{"hour": 2, "minute": 3, "second": 8}
